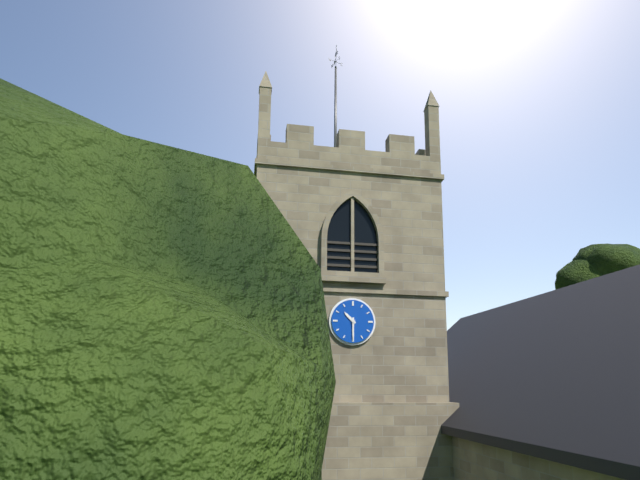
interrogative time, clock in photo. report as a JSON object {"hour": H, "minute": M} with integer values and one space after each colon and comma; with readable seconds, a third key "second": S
{"hour": 10, "minute": 30}
